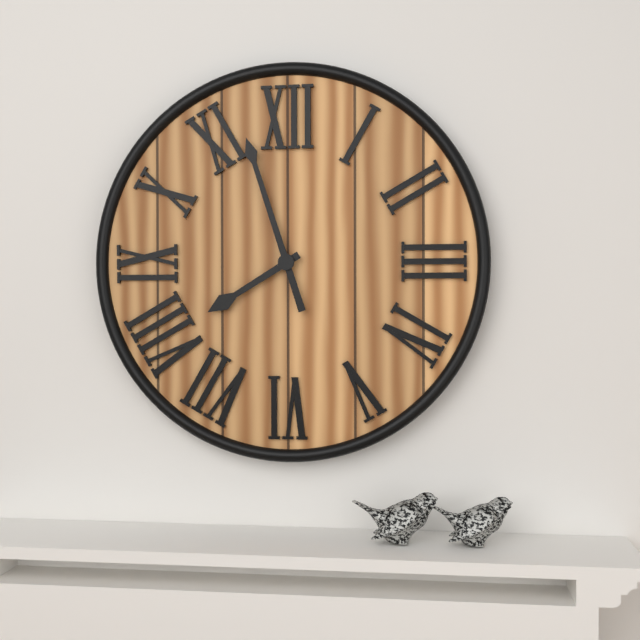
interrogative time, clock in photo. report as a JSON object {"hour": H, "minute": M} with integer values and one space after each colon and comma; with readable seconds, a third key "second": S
{"hour": 7, "minute": 57}
